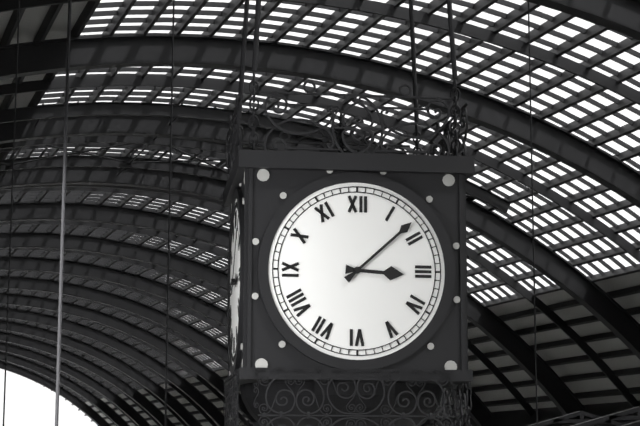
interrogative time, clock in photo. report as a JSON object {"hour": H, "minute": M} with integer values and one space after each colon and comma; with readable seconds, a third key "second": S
{"hour": 3, "minute": 8}
